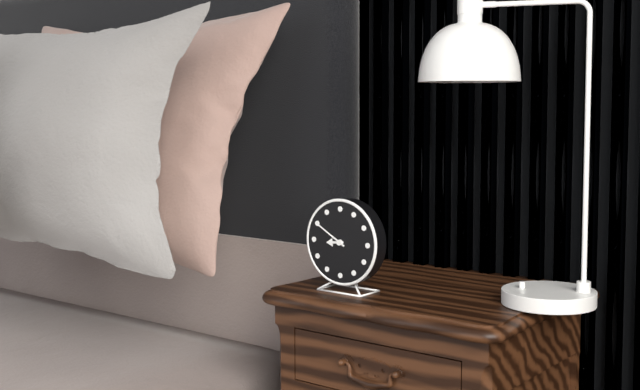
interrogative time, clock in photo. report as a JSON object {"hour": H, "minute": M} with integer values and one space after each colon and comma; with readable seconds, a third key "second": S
{"hour": 8, "minute": 50}
